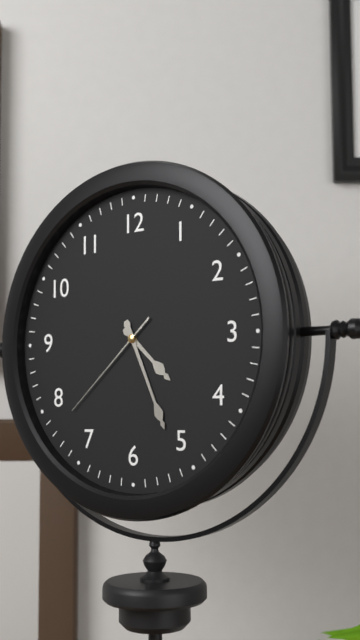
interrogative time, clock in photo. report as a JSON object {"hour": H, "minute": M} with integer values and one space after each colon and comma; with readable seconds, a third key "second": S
{"hour": 4, "minute": 26, "second": 38}
